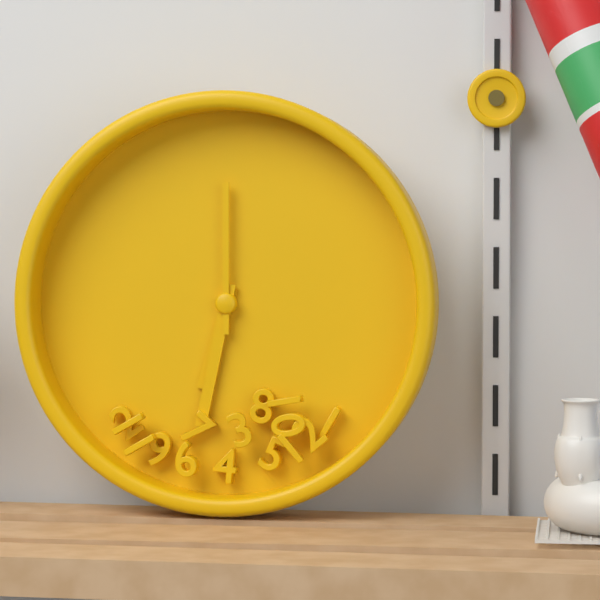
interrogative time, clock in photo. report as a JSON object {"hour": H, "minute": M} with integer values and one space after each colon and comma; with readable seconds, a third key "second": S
{"hour": 6, "minute": 32, "second": 0}
